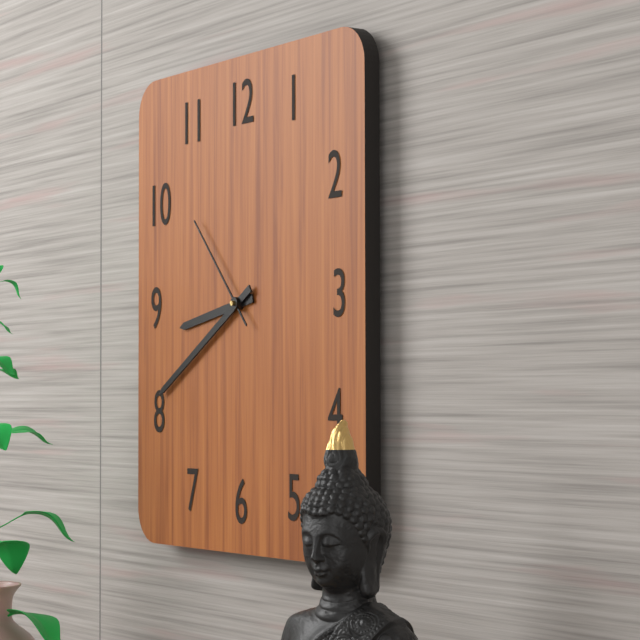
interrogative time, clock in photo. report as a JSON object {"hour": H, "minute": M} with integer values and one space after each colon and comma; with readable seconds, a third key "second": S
{"hour": 8, "minute": 40, "second": 53}
